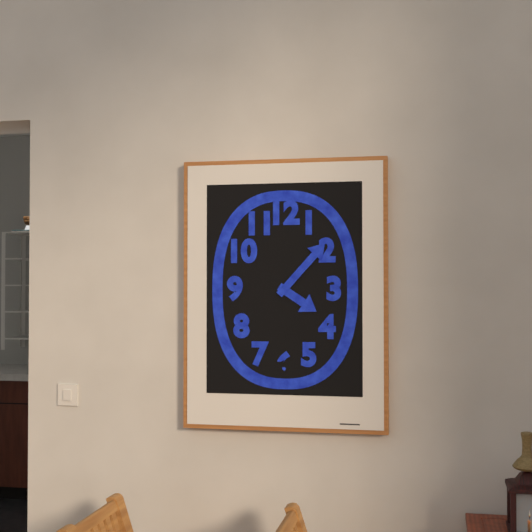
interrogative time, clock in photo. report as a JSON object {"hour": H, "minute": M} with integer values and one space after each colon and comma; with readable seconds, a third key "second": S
{"hour": 4, "minute": 7}
